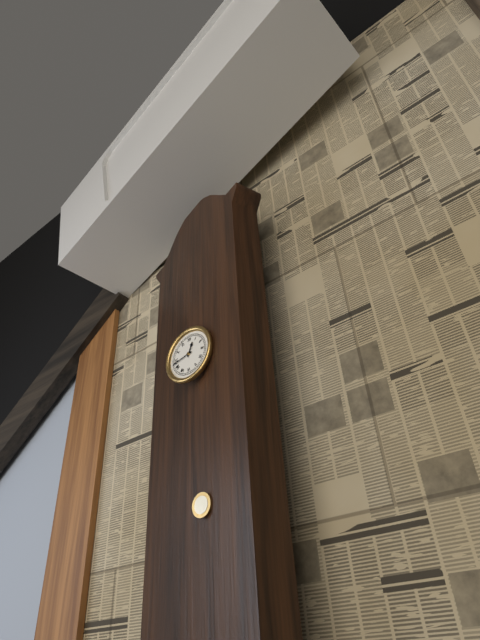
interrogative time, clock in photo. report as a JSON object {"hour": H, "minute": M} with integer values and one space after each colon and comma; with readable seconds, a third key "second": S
{"hour": 12, "minute": 43}
